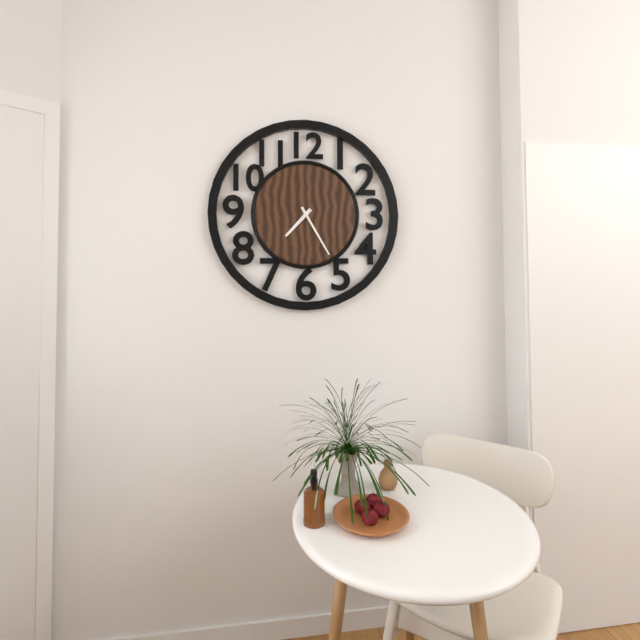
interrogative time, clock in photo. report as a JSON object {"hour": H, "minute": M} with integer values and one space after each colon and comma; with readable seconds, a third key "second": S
{"hour": 7, "minute": 25}
